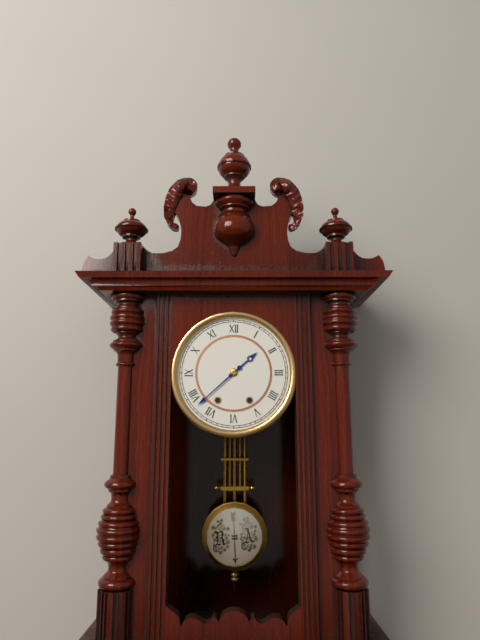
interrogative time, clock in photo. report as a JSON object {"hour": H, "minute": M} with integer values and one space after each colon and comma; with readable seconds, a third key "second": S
{"hour": 1, "minute": 38}
